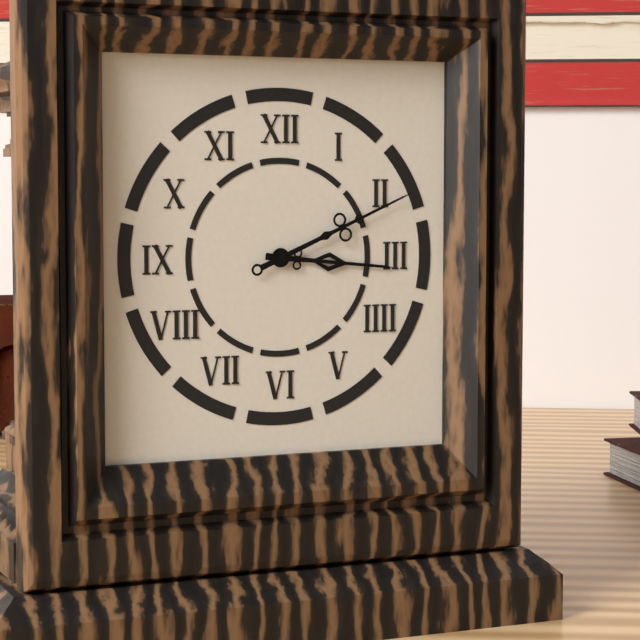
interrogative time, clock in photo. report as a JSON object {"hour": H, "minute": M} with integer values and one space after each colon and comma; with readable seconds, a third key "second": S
{"hour": 3, "minute": 11}
